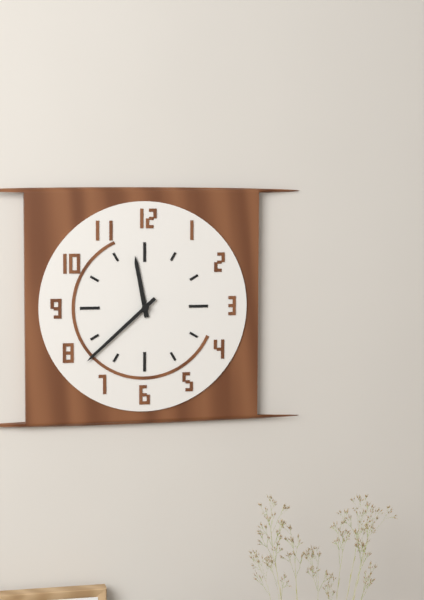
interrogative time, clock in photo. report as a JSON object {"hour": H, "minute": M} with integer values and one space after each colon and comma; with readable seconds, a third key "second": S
{"hour": 11, "minute": 38}
